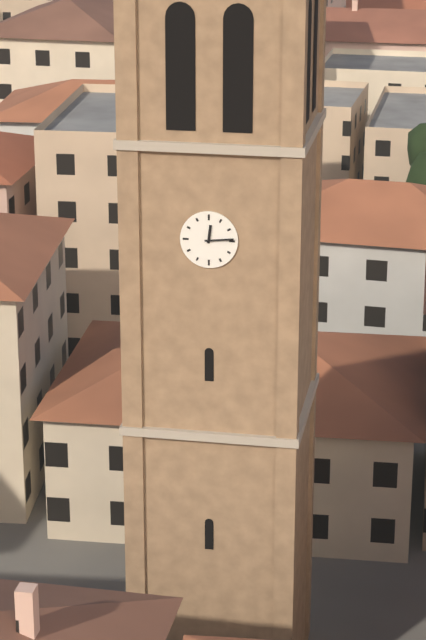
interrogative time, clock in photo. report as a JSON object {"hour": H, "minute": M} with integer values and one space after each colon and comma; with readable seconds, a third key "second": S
{"hour": 12, "minute": 14}
